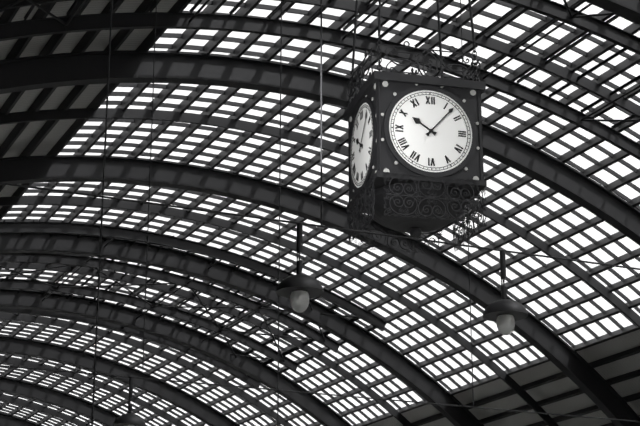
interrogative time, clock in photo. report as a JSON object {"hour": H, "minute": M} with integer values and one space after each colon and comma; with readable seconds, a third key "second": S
{"hour": 10, "minute": 7}
